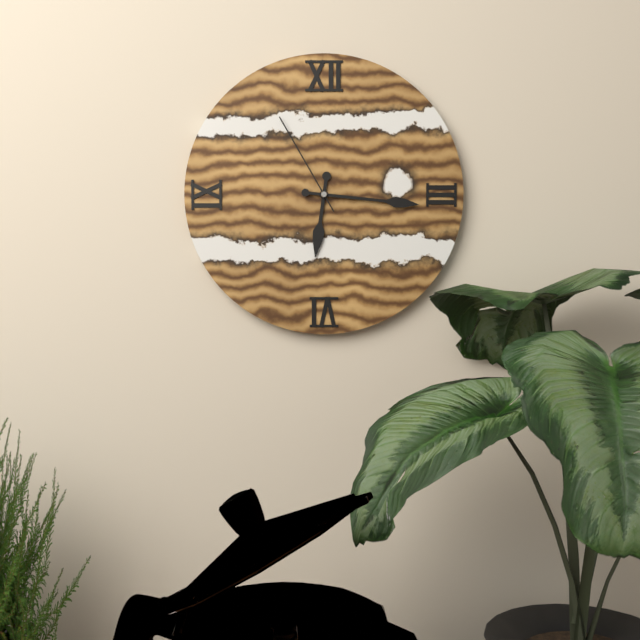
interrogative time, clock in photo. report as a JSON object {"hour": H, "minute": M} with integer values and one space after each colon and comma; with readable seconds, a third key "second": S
{"hour": 6, "minute": 16, "second": 55}
